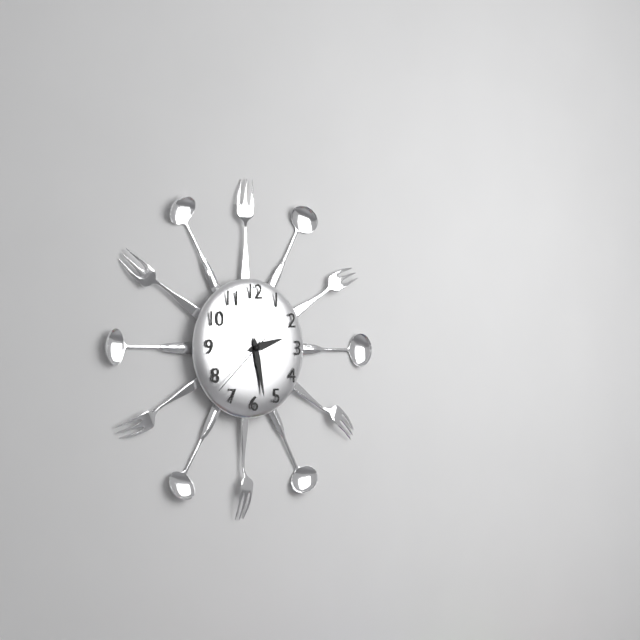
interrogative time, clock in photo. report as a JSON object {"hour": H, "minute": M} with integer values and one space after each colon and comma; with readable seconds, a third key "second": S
{"hour": 2, "minute": 28, "second": 38}
